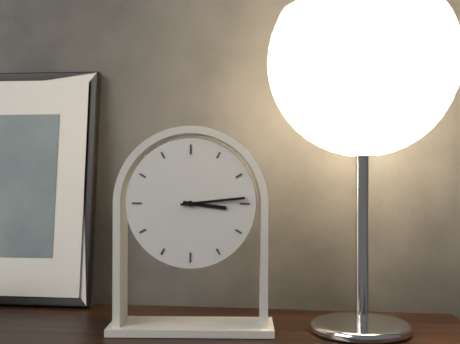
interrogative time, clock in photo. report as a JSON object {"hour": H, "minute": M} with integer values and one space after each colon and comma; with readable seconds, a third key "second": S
{"hour": 3, "minute": 14}
